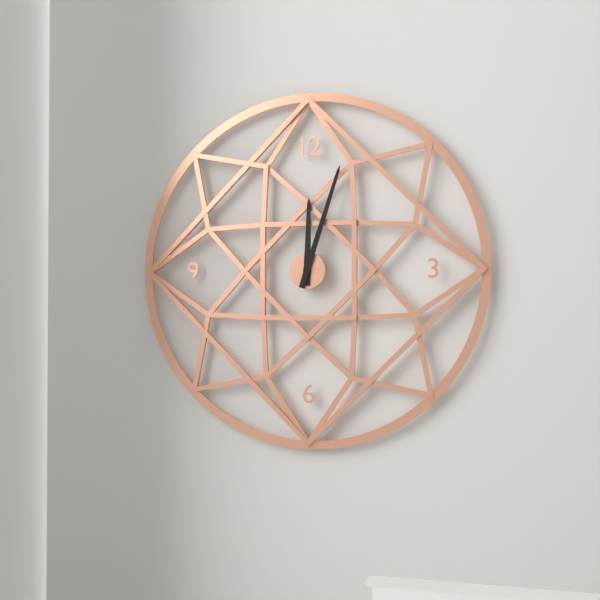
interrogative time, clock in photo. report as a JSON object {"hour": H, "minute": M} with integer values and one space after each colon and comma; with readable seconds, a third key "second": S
{"hour": 12, "minute": 3}
